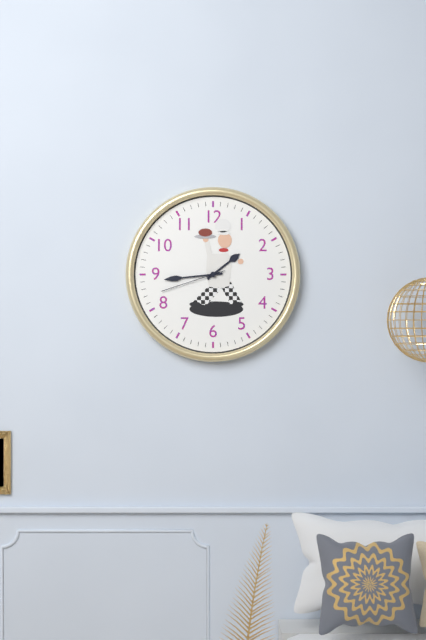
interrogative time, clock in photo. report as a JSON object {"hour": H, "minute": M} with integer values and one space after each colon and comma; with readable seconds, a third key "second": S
{"hour": 1, "minute": 44, "second": 42}
